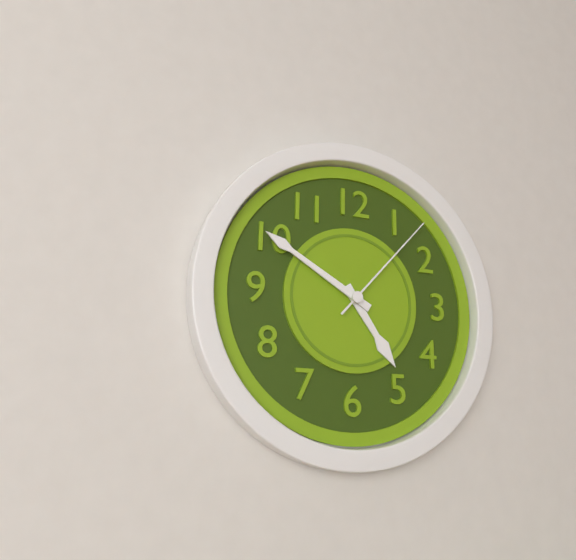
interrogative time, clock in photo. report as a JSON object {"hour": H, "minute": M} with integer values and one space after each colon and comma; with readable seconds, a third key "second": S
{"hour": 4, "minute": 50, "second": 7}
